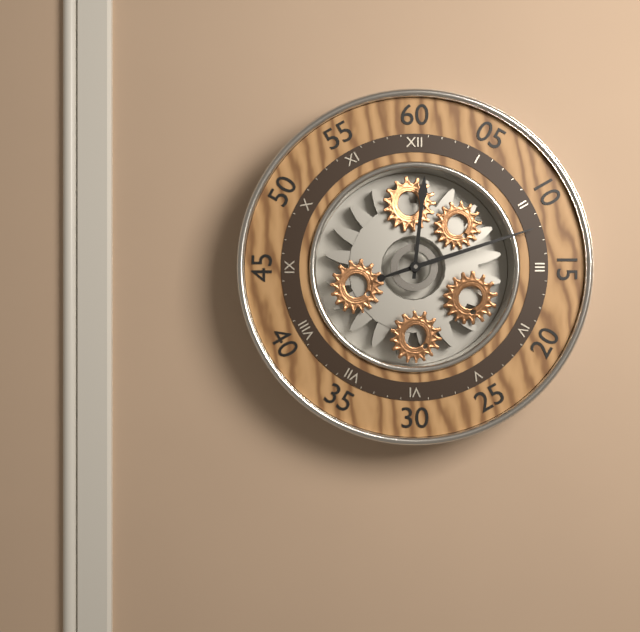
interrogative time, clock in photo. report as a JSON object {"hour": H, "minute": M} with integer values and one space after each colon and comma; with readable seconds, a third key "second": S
{"hour": 12, "minute": 12}
